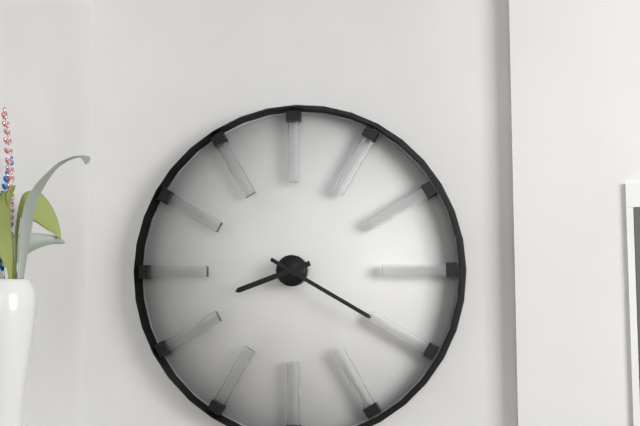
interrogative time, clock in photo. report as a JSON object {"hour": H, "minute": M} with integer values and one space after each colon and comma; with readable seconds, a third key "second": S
{"hour": 8, "minute": 20}
